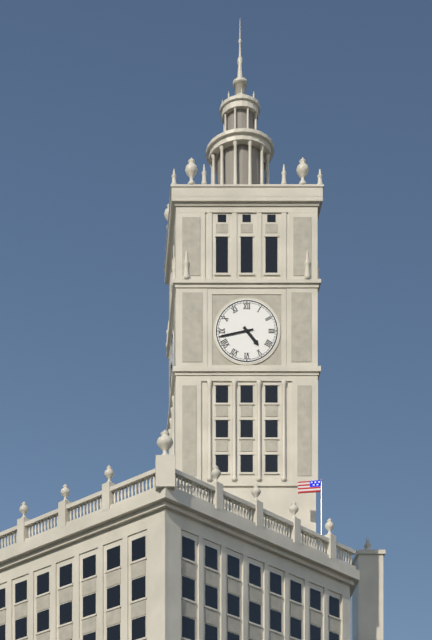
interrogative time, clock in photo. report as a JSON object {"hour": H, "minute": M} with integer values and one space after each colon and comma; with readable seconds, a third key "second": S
{"hour": 4, "minute": 43}
